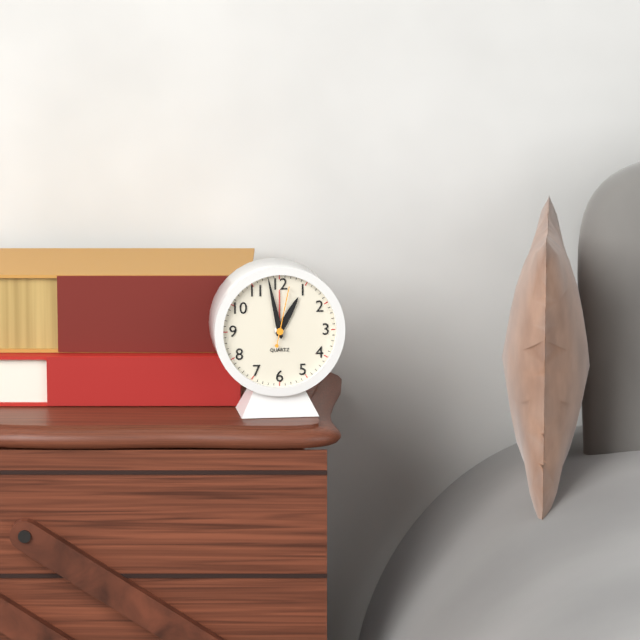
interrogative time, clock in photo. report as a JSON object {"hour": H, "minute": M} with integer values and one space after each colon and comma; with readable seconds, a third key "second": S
{"hour": 12, "minute": 58, "second": 2}
